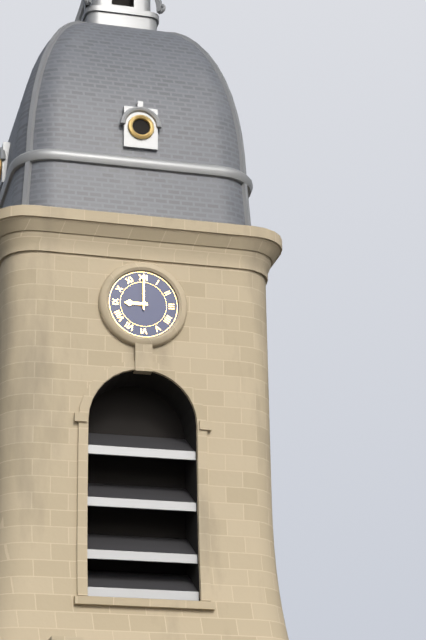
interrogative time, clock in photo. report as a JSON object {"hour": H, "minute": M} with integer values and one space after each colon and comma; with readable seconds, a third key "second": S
{"hour": 9, "minute": 0}
